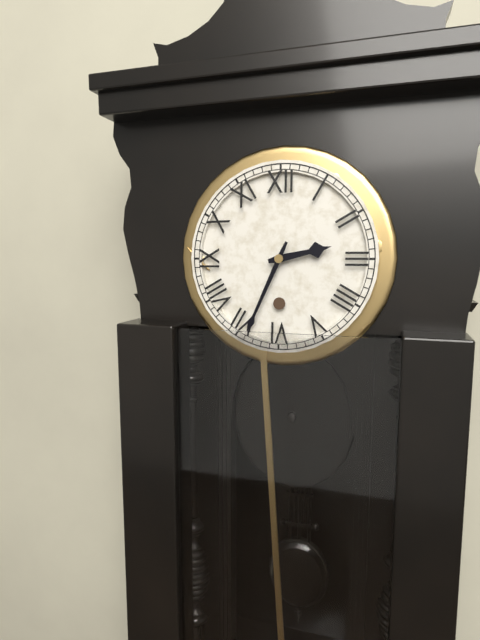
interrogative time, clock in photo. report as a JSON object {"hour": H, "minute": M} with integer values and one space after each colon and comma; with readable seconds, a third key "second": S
{"hour": 2, "minute": 34}
